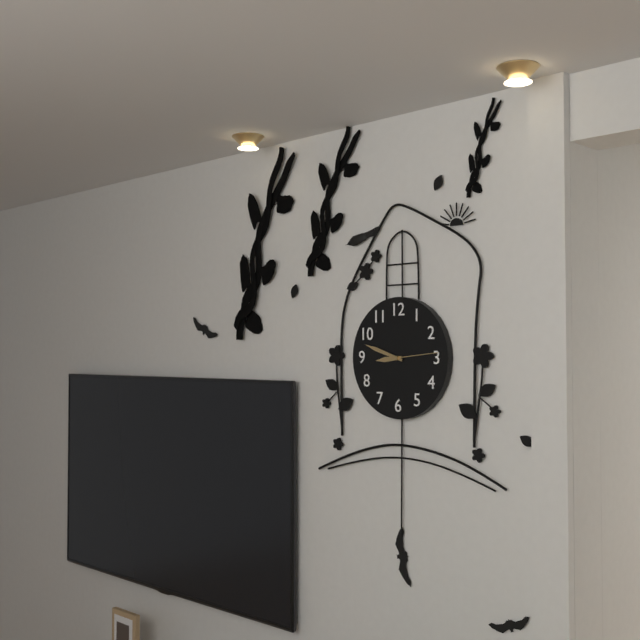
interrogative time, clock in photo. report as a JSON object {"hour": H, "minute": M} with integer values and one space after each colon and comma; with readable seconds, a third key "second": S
{"hour": 8, "minute": 48}
